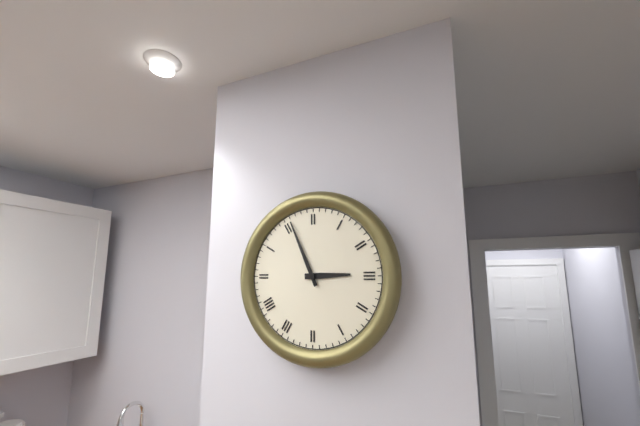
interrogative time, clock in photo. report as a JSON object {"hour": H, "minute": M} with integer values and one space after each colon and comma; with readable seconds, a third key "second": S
{"hour": 2, "minute": 56}
